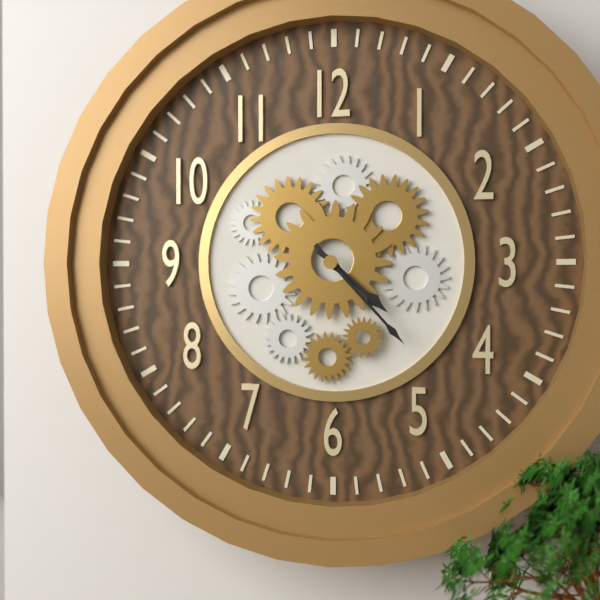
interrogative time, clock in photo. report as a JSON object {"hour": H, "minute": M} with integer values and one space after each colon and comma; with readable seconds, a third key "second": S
{"hour": 4, "minute": 23}
